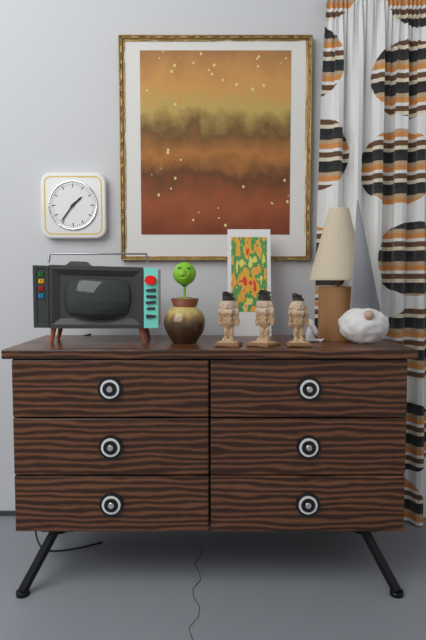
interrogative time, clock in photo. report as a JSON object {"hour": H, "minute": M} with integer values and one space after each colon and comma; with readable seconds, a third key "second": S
{"hour": 1, "minute": 36}
